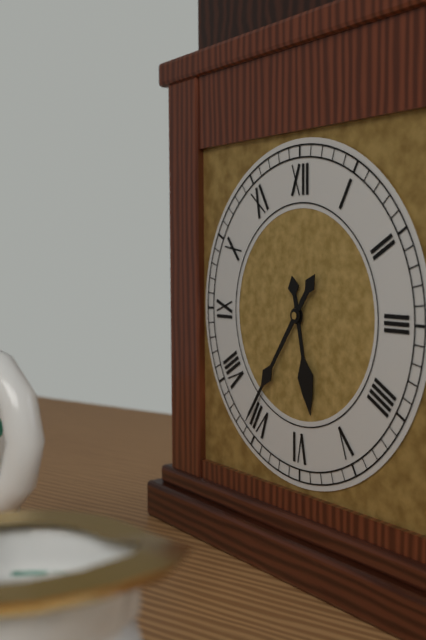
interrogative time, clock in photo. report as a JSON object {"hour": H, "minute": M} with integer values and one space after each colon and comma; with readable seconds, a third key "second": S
{"hour": 5, "minute": 36}
